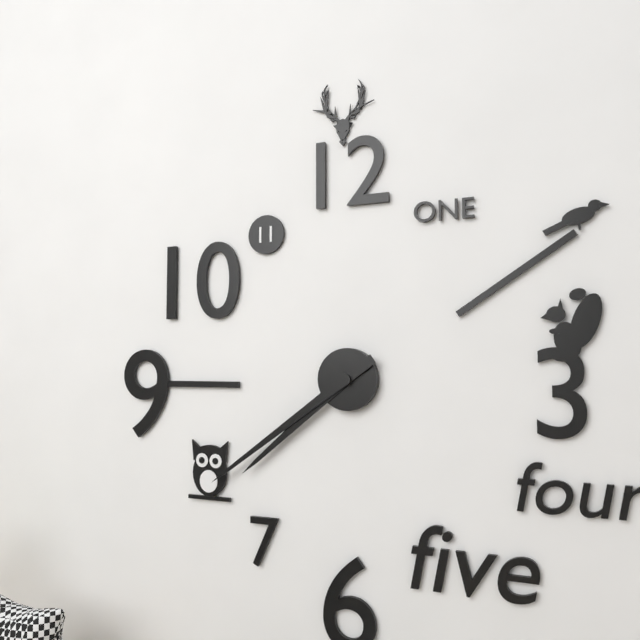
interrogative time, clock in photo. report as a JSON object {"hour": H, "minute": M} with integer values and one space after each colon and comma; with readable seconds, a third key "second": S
{"hour": 7, "minute": 39}
